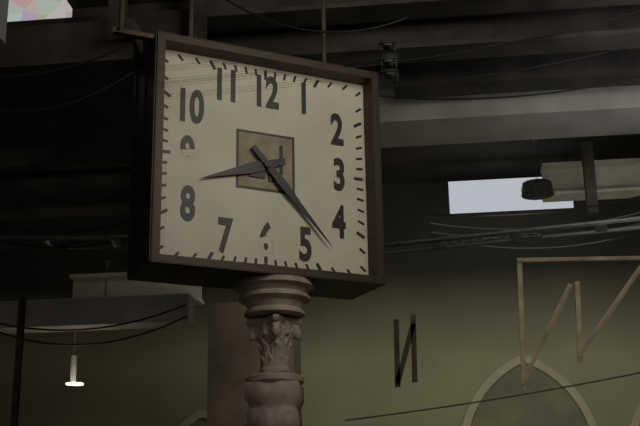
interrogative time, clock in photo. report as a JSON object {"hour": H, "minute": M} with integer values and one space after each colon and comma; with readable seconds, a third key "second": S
{"hour": 8, "minute": 23}
